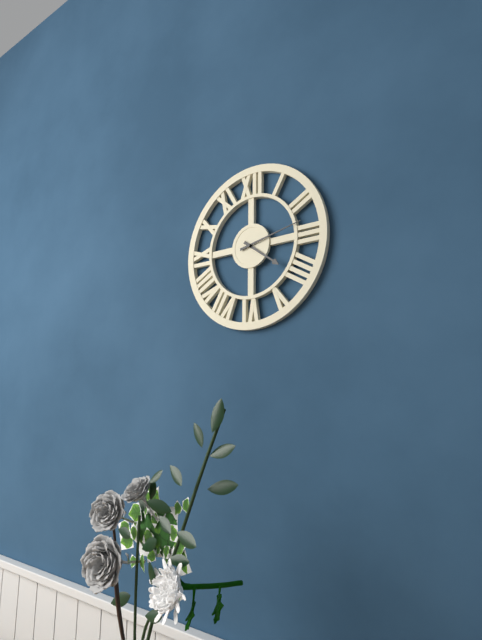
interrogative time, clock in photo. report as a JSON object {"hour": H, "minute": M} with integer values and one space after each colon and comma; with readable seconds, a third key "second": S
{"hour": 4, "minute": 13}
